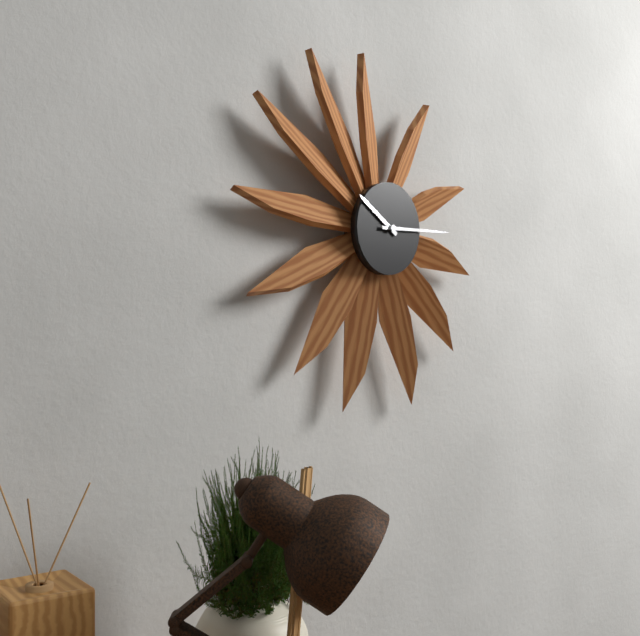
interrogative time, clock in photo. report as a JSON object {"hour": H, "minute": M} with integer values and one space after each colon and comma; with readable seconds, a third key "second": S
{"hour": 10, "minute": 15}
